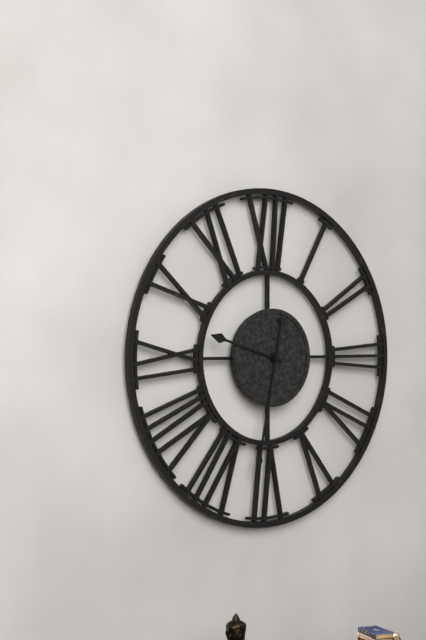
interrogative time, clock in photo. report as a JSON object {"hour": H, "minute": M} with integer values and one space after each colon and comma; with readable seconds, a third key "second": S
{"hour": 9, "minute": 32}
